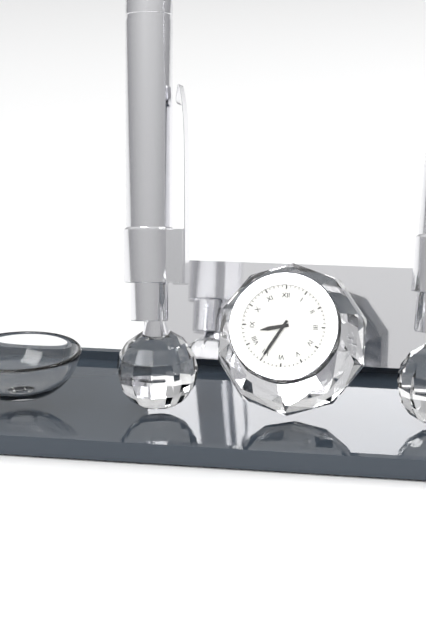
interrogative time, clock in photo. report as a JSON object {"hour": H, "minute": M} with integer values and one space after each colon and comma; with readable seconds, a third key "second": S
{"hour": 8, "minute": 35}
